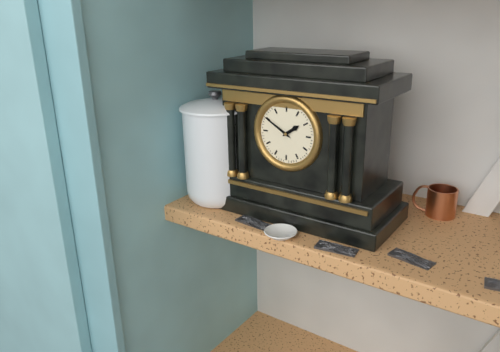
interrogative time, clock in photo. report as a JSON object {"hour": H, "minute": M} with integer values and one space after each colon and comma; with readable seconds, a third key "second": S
{"hour": 1, "minute": 50}
